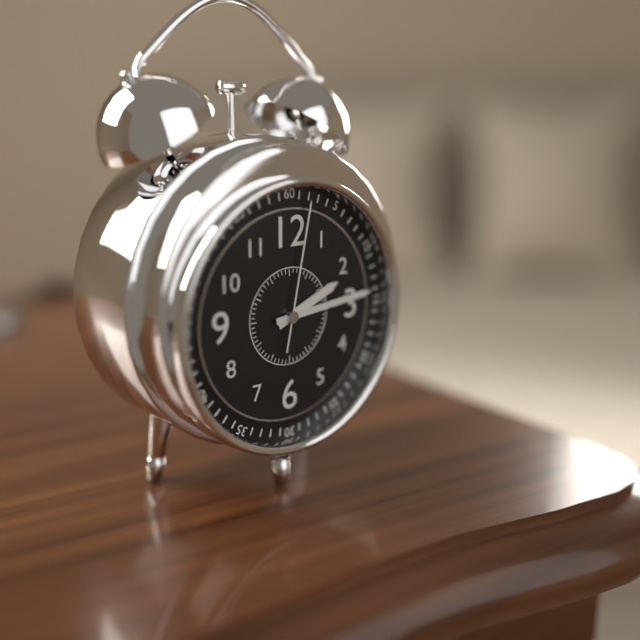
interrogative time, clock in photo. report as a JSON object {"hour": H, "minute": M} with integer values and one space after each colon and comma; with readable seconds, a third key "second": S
{"hour": 2, "minute": 14, "second": 2}
